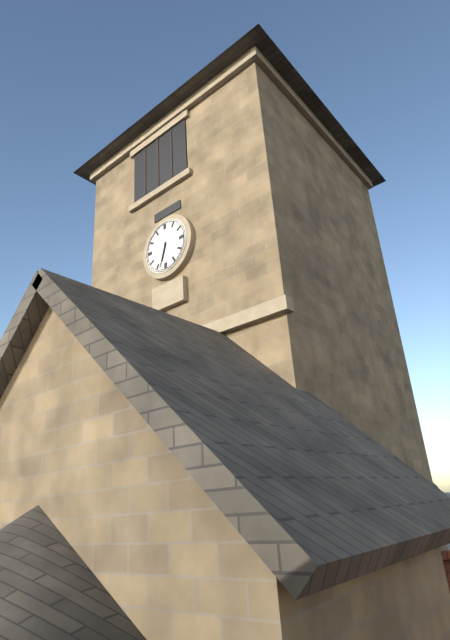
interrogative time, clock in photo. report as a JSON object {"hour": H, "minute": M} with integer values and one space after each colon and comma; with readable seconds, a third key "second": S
{"hour": 6, "minute": 33}
